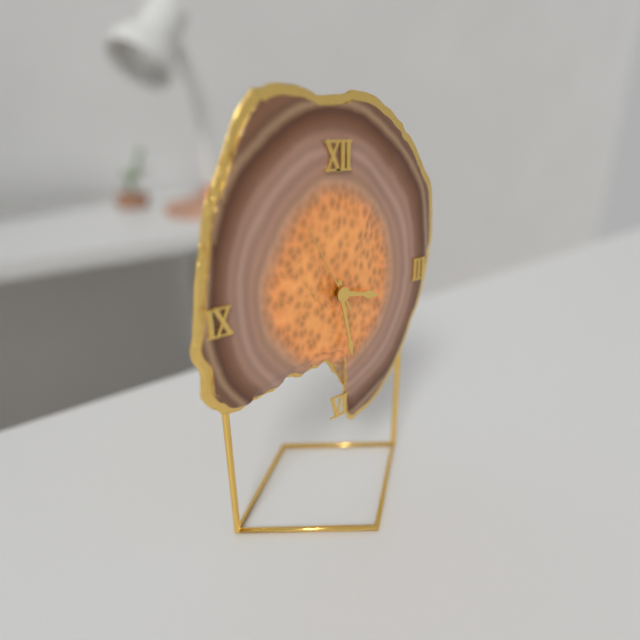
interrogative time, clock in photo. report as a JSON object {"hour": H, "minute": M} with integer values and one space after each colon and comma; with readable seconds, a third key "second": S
{"hour": 3, "minute": 28, "second": 55}
